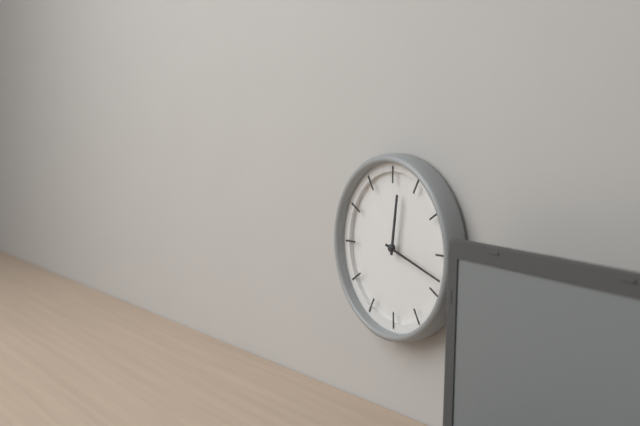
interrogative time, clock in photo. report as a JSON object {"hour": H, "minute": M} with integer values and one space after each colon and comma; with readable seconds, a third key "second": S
{"hour": 12, "minute": 18}
